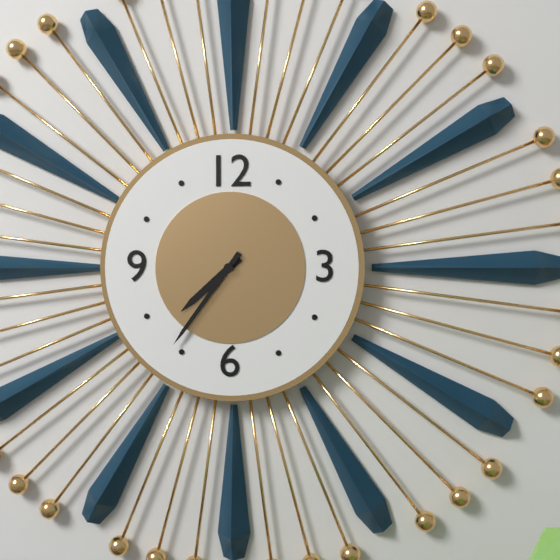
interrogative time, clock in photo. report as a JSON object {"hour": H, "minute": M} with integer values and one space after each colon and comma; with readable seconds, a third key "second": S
{"hour": 7, "minute": 36}
